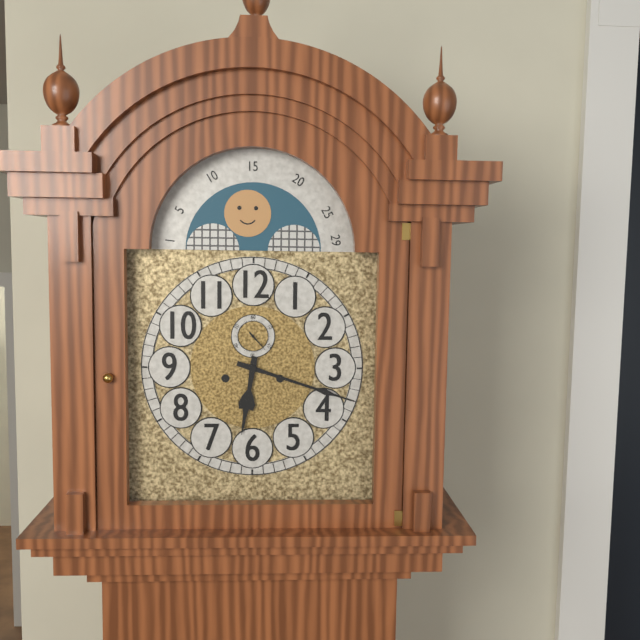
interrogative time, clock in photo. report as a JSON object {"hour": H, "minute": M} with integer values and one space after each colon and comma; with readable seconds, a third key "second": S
{"hour": 6, "minute": 18}
